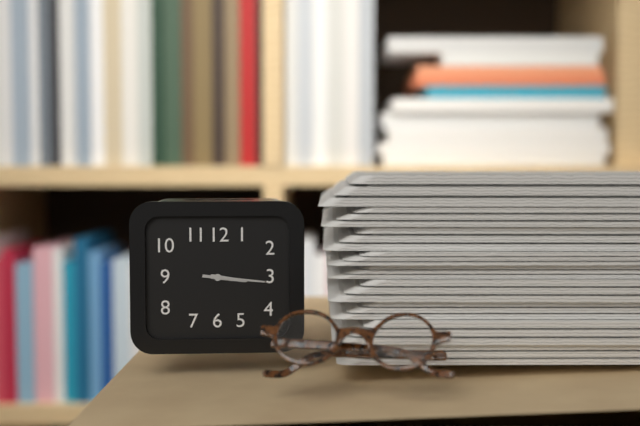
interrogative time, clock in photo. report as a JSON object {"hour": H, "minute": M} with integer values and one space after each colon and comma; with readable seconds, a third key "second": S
{"hour": 3, "minute": 16}
